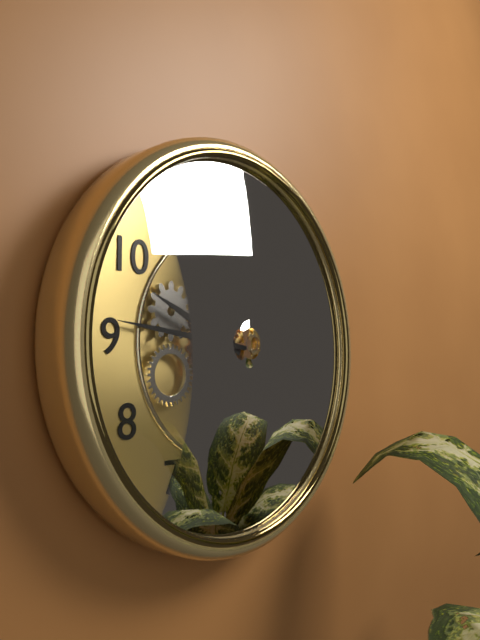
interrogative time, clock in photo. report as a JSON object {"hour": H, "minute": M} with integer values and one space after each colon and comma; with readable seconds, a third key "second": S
{"hour": 9, "minute": 46}
